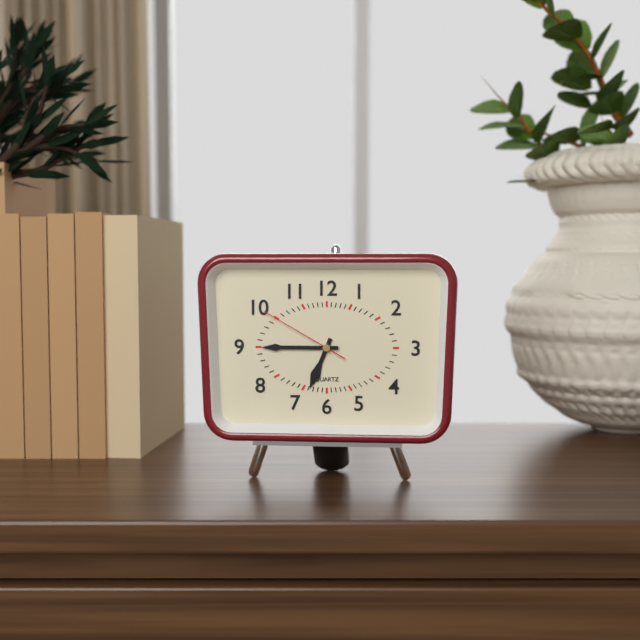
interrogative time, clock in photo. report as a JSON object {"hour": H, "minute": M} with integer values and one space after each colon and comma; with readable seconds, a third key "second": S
{"hour": 6, "minute": 45, "second": 50}
